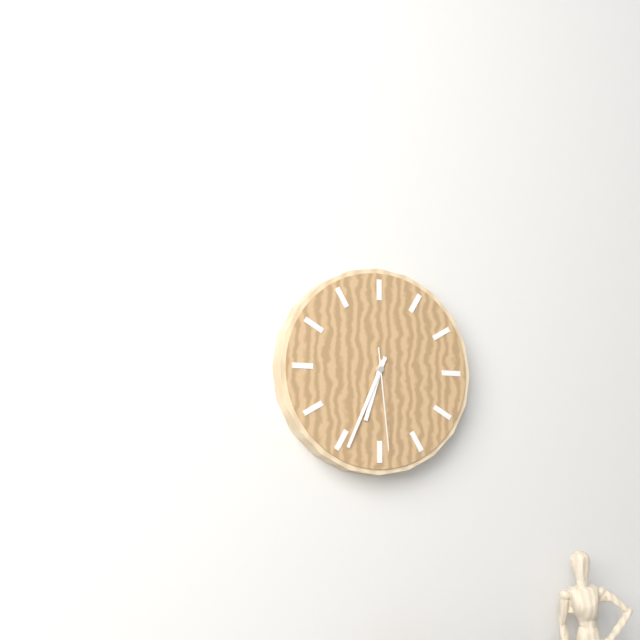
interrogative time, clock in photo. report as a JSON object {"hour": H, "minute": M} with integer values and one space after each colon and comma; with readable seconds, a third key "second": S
{"hour": 6, "minute": 34, "second": 29}
